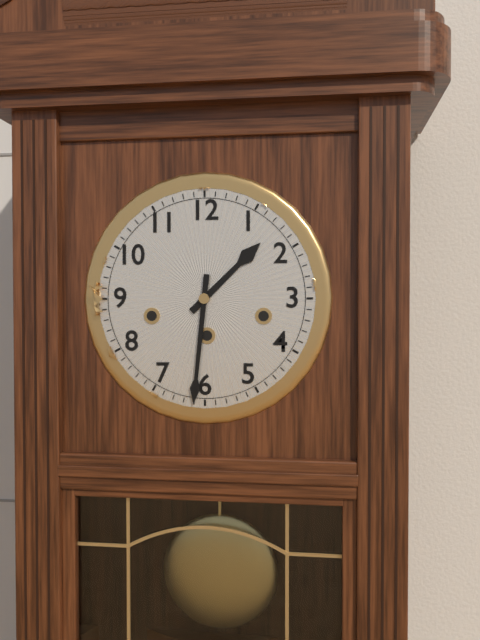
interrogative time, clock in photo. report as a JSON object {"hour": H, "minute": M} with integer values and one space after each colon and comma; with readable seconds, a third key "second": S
{"hour": 1, "minute": 31}
